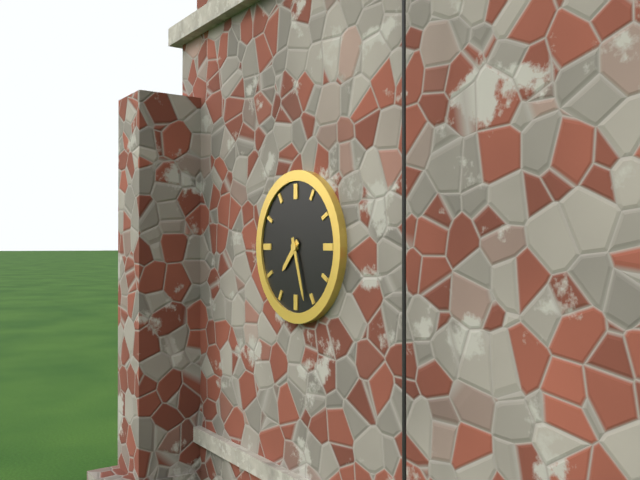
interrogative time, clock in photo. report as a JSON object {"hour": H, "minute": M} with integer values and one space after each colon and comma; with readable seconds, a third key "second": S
{"hour": 7, "minute": 27}
